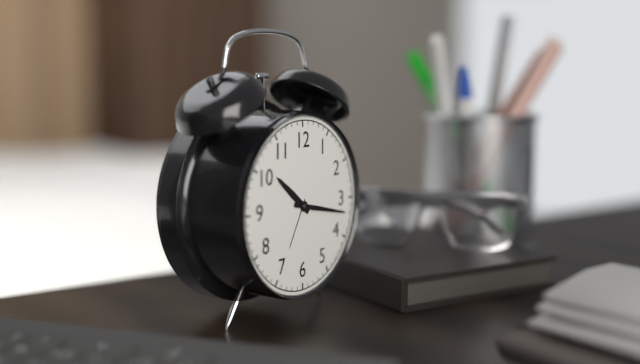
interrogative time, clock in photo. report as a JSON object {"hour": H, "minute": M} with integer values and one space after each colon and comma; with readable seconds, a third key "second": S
{"hour": 10, "minute": 17}
